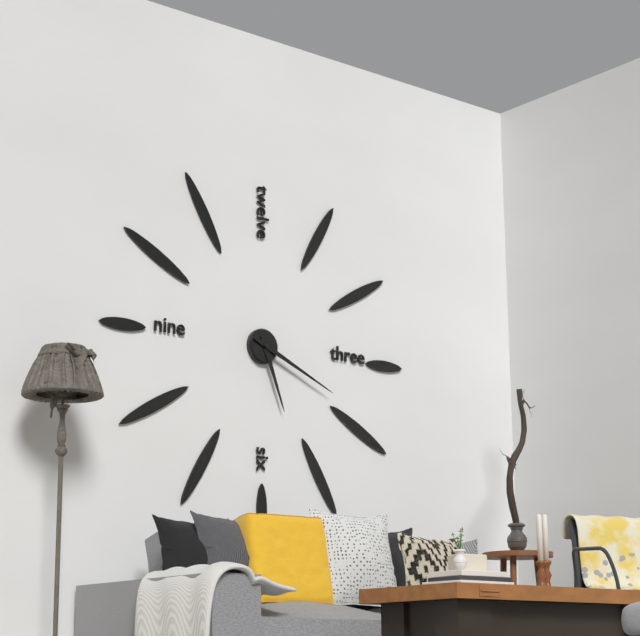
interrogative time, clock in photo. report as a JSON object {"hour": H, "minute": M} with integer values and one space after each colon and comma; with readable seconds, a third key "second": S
{"hour": 5, "minute": 19}
